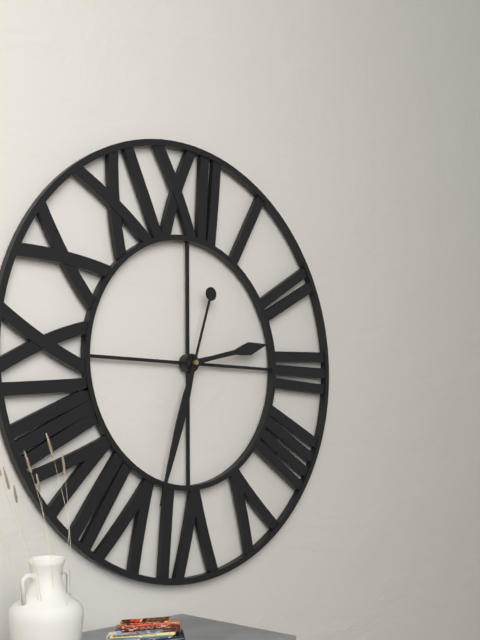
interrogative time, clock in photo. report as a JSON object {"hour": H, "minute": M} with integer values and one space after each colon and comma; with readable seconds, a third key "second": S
{"hour": 2, "minute": 33}
